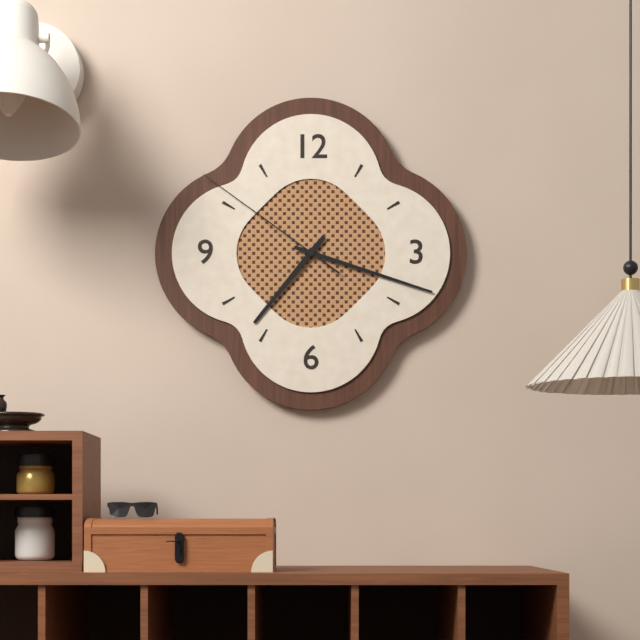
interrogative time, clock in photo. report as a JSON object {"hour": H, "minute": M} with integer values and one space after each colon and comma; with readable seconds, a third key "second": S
{"hour": 7, "minute": 18, "second": 51}
